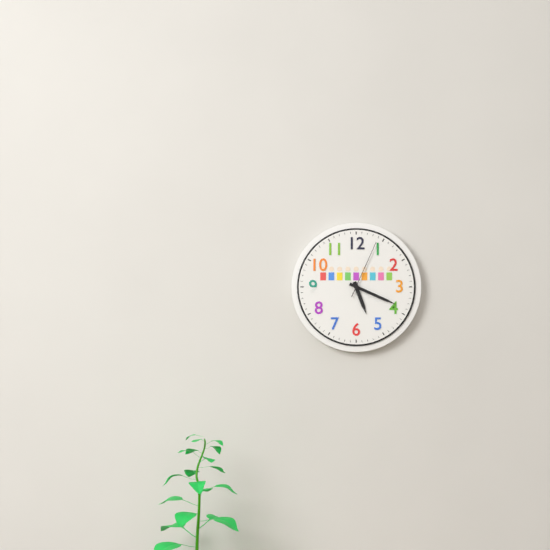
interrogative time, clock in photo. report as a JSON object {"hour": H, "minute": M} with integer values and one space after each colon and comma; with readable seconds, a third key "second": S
{"hour": 5, "minute": 19, "second": 4}
